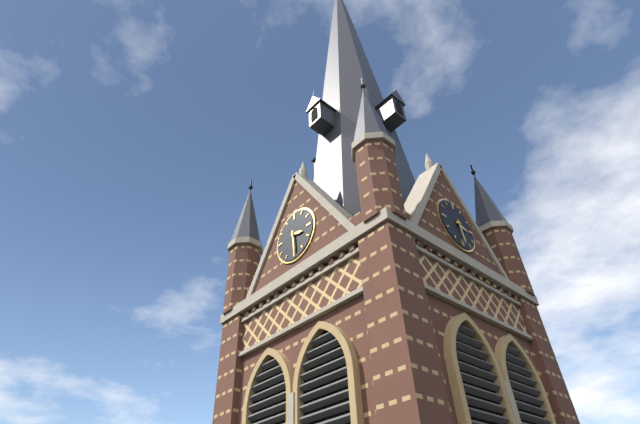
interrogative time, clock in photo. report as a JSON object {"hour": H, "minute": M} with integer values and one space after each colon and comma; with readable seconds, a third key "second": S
{"hour": 3, "minute": 29}
